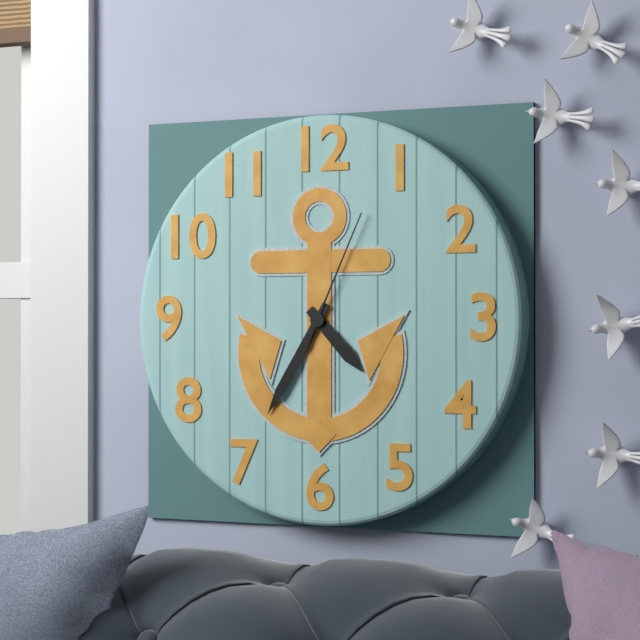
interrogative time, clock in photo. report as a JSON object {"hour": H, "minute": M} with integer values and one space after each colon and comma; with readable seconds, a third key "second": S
{"hour": 4, "minute": 35, "second": 4}
